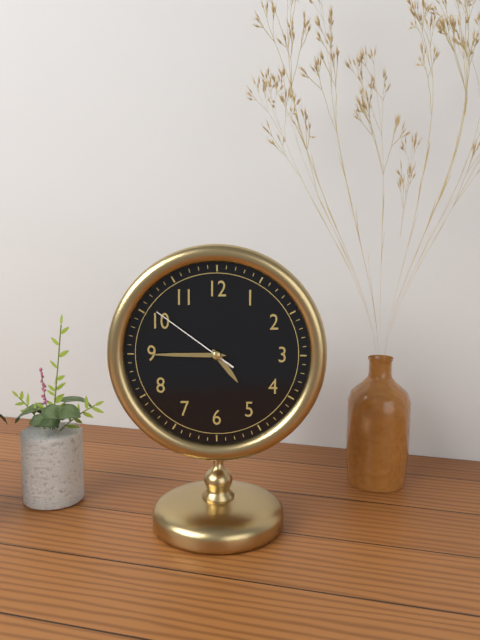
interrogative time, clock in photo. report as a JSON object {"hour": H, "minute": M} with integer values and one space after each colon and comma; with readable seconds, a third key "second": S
{"hour": 4, "minute": 45, "second": 51}
